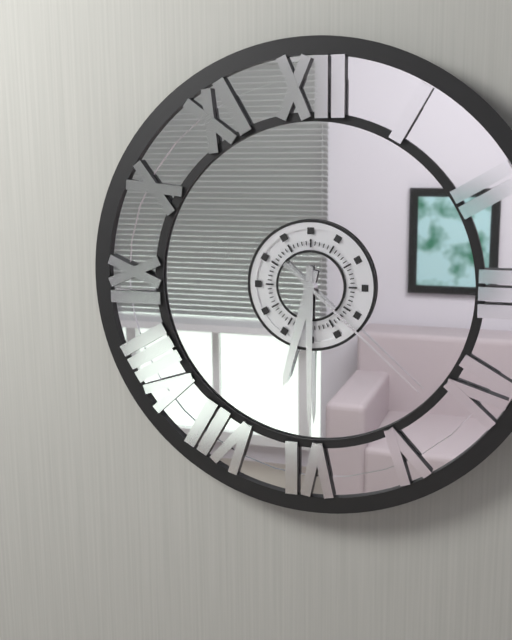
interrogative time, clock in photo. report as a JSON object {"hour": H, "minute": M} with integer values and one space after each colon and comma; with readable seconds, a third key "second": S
{"hour": 6, "minute": 30, "second": 22}
